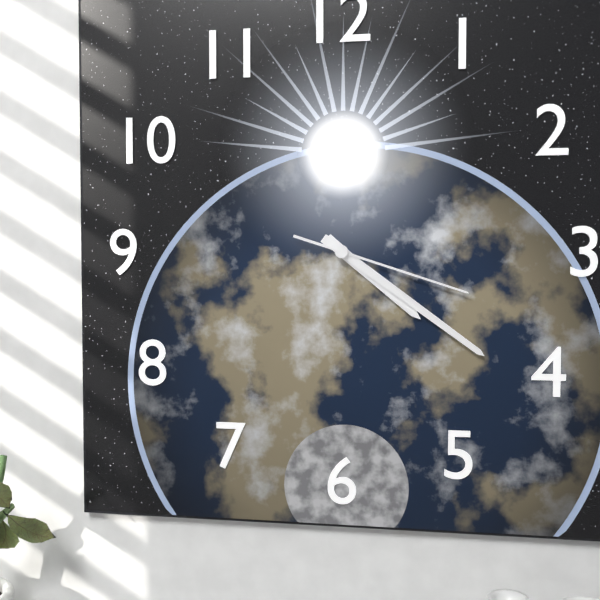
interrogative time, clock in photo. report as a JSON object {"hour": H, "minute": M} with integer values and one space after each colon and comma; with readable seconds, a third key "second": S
{"hour": 4, "minute": 21, "second": 18}
